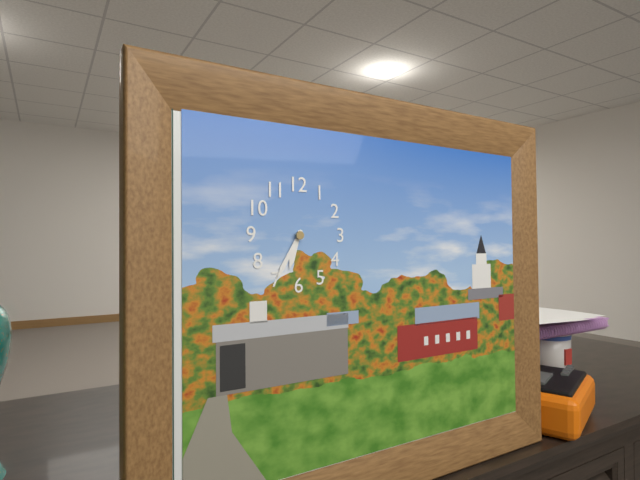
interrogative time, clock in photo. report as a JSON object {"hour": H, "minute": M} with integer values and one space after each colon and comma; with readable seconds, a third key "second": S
{"hour": 6, "minute": 35}
